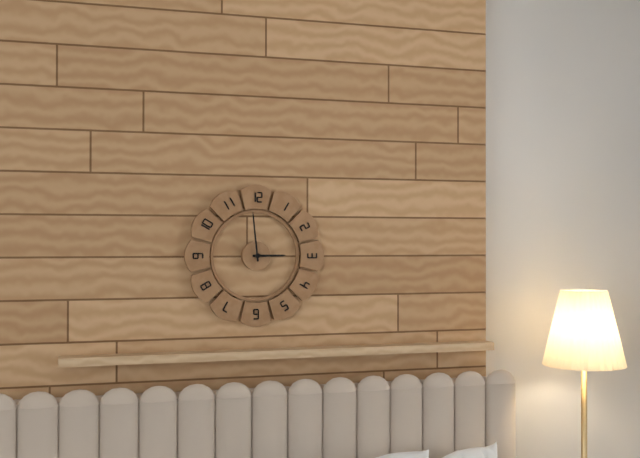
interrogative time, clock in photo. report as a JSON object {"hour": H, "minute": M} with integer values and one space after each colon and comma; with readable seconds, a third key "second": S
{"hour": 2, "minute": 59}
